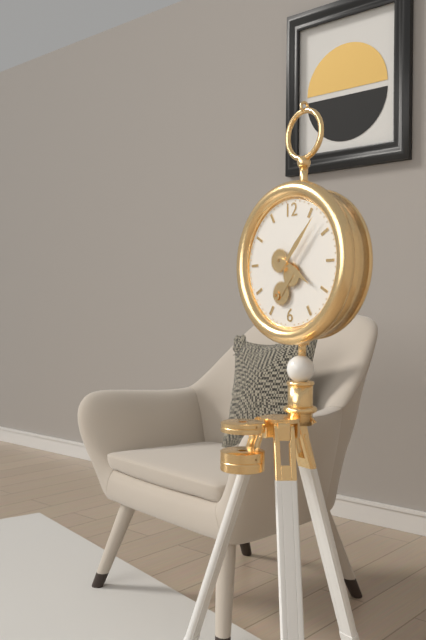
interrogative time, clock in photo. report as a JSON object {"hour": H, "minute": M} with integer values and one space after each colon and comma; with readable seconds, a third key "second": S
{"hour": 4, "minute": 7}
